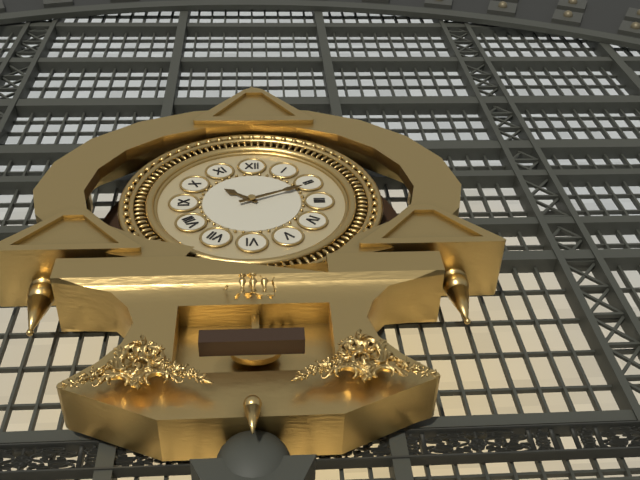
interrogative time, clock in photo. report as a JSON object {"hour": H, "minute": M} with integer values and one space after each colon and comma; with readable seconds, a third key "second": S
{"hour": 10, "minute": 11}
